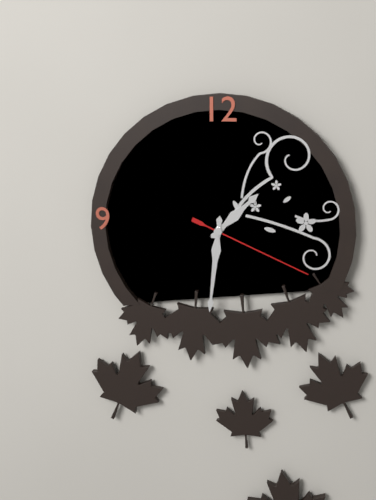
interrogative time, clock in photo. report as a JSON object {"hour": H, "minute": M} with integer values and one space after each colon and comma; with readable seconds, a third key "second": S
{"hour": 1, "minute": 31, "second": 19}
